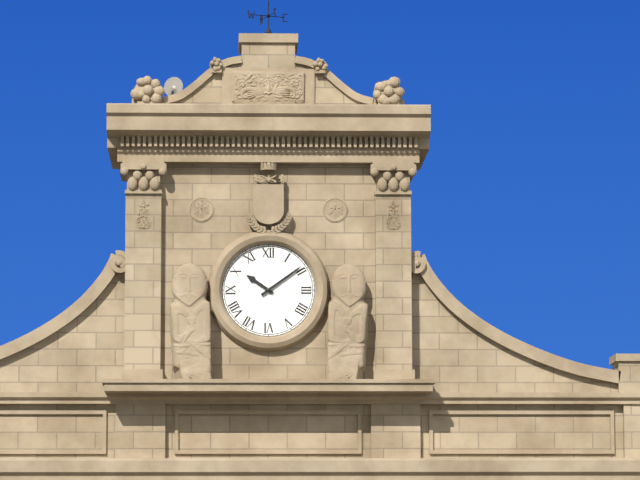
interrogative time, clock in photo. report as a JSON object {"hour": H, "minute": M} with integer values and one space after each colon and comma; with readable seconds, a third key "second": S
{"hour": 10, "minute": 9}
